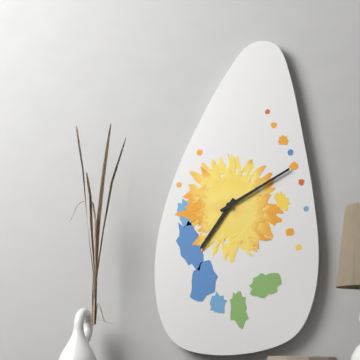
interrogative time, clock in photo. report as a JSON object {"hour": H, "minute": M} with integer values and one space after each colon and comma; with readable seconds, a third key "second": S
{"hour": 7, "minute": 10}
